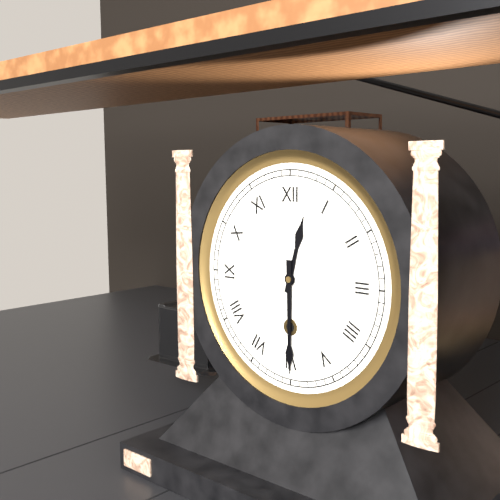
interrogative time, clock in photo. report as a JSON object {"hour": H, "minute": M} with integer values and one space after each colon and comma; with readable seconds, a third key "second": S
{"hour": 12, "minute": 30}
